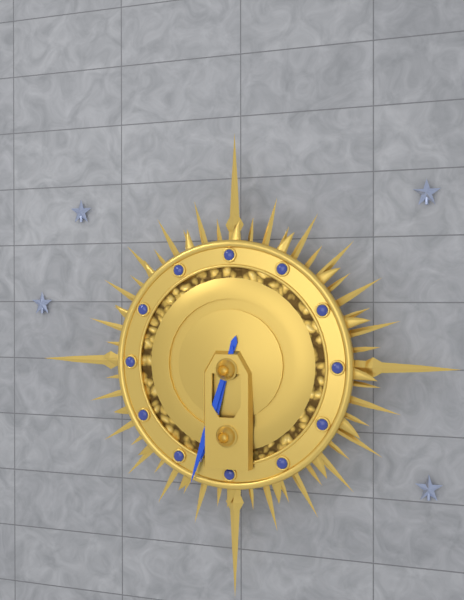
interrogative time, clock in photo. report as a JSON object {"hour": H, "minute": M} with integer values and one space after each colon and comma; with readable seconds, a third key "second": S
{"hour": 6, "minute": 33}
